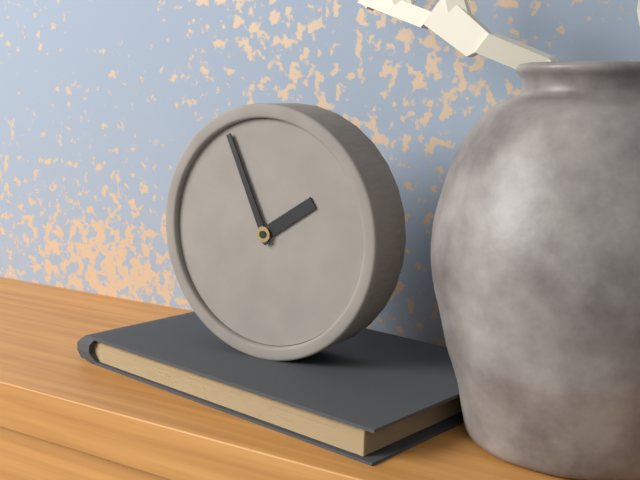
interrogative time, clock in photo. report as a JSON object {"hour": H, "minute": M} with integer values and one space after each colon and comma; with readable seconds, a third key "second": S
{"hour": 1, "minute": 56}
